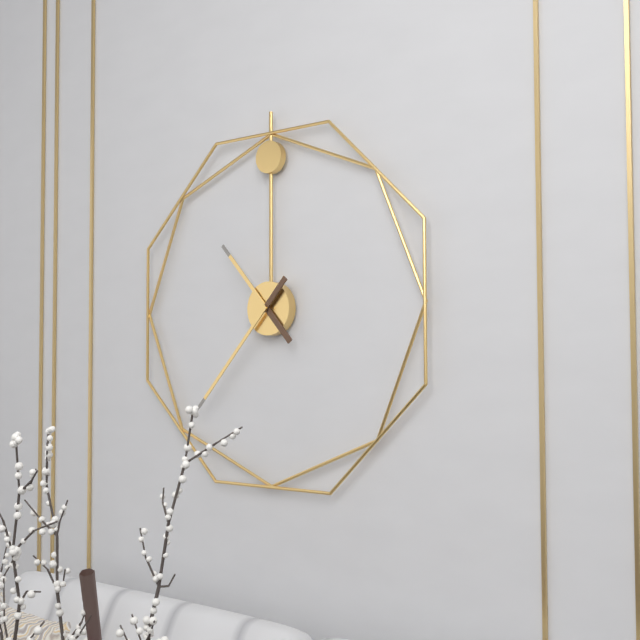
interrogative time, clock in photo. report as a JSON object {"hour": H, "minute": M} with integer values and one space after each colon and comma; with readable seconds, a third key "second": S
{"hour": 10, "minute": 37}
